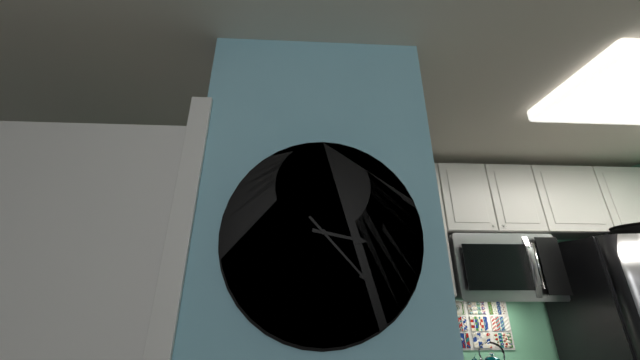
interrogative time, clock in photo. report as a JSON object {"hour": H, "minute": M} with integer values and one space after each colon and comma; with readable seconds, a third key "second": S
{"hour": 3, "minute": 23}
